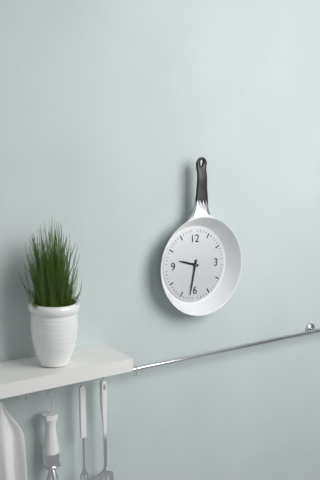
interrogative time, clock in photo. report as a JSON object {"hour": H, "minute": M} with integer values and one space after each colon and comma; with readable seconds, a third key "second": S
{"hour": 9, "minute": 32}
